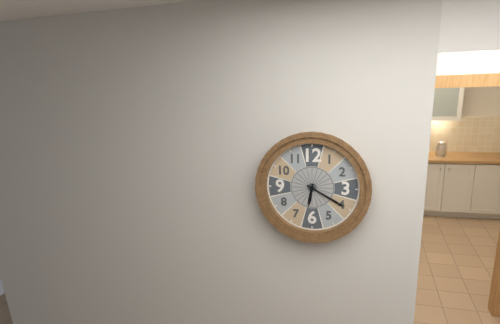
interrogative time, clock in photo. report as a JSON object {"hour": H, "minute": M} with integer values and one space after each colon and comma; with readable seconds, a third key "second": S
{"hour": 6, "minute": 20}
